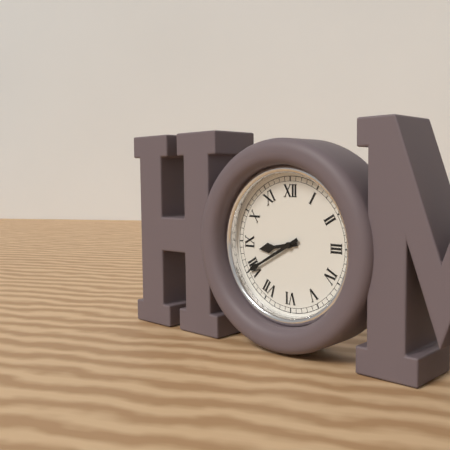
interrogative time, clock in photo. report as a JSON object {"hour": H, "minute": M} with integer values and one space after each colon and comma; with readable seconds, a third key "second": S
{"hour": 8, "minute": 40}
